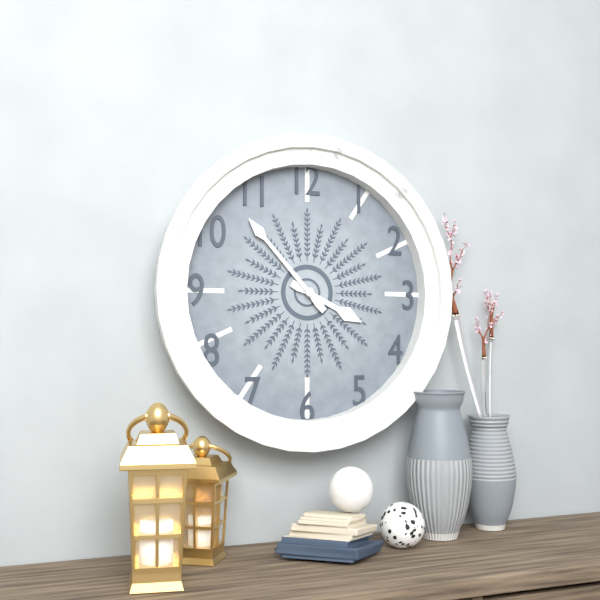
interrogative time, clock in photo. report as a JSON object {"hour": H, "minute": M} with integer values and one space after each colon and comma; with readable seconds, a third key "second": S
{"hour": 3, "minute": 53}
